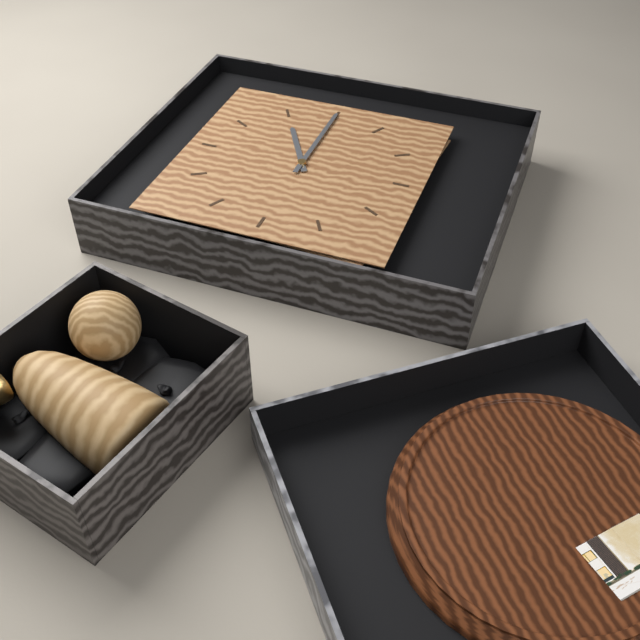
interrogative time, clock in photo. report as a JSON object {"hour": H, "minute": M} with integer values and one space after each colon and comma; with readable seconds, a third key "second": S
{"hour": 11, "minute": 0}
